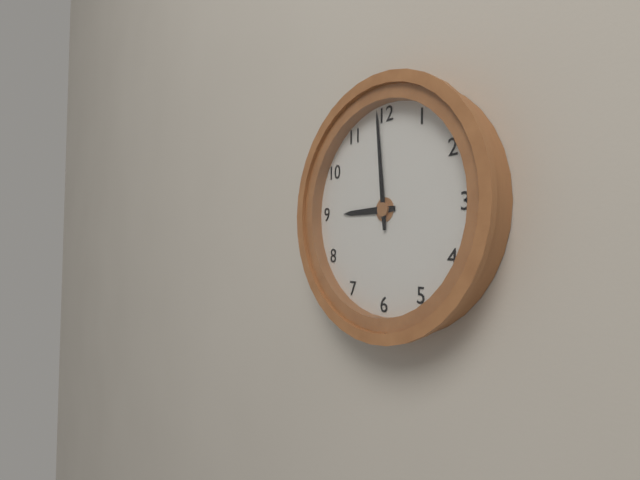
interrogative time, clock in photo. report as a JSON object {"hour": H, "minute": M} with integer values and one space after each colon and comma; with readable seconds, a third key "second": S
{"hour": 8, "minute": 59}
